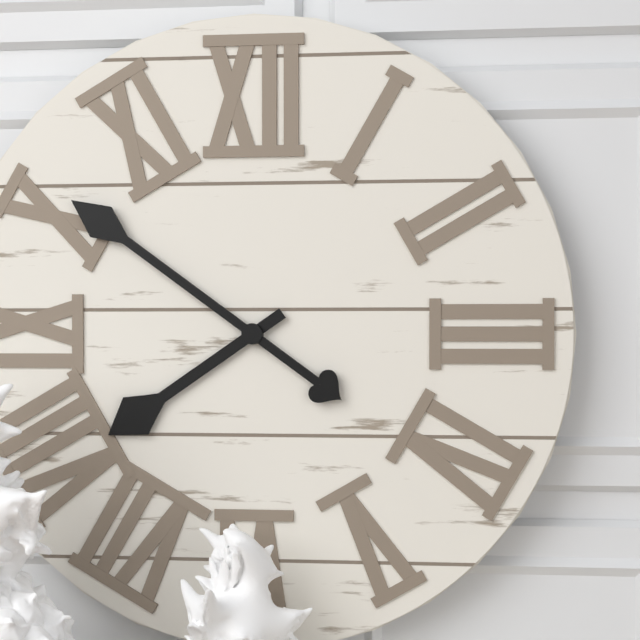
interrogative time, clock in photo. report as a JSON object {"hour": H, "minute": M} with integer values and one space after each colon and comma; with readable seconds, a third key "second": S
{"hour": 7, "minute": 51}
